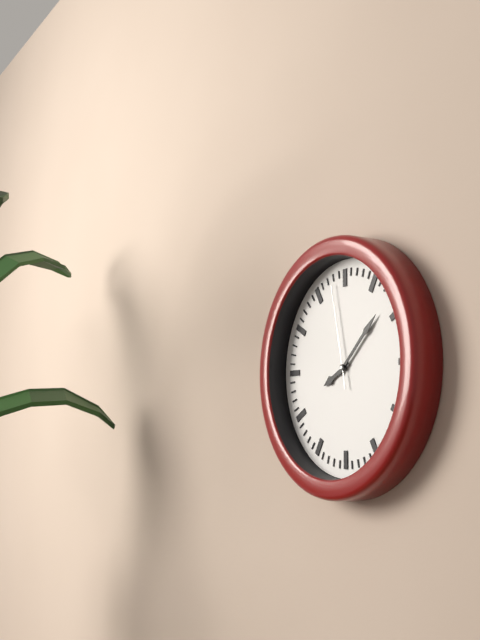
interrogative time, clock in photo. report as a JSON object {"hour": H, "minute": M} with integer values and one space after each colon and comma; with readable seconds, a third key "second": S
{"hour": 8, "minute": 8, "second": 58}
